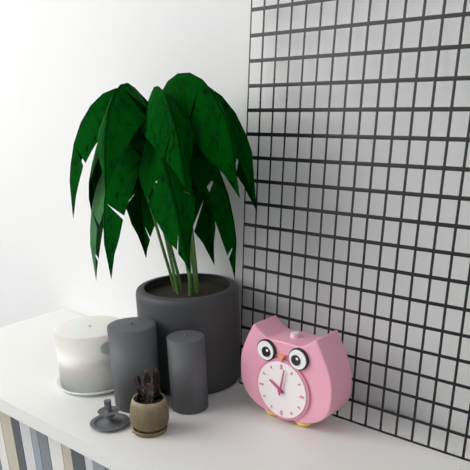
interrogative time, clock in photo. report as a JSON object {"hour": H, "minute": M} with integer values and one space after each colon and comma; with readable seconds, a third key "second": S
{"hour": 10, "minute": 2}
